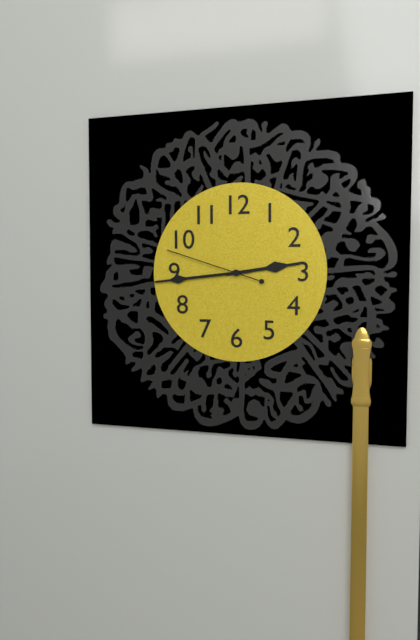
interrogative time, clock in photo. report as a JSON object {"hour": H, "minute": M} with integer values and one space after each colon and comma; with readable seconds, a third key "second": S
{"hour": 2, "minute": 44, "second": 48}
